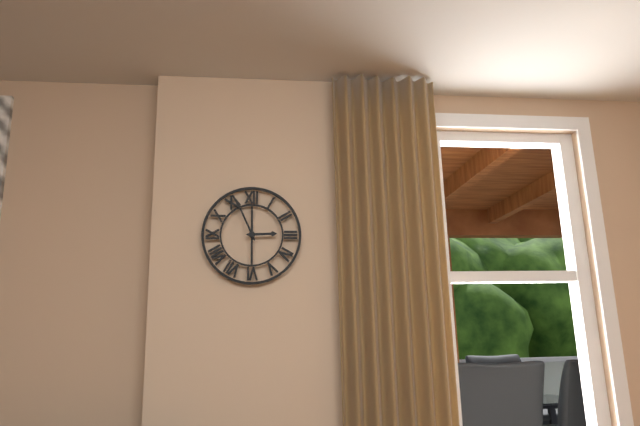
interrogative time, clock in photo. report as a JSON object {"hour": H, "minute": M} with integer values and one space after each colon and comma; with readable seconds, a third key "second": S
{"hour": 2, "minute": 56}
